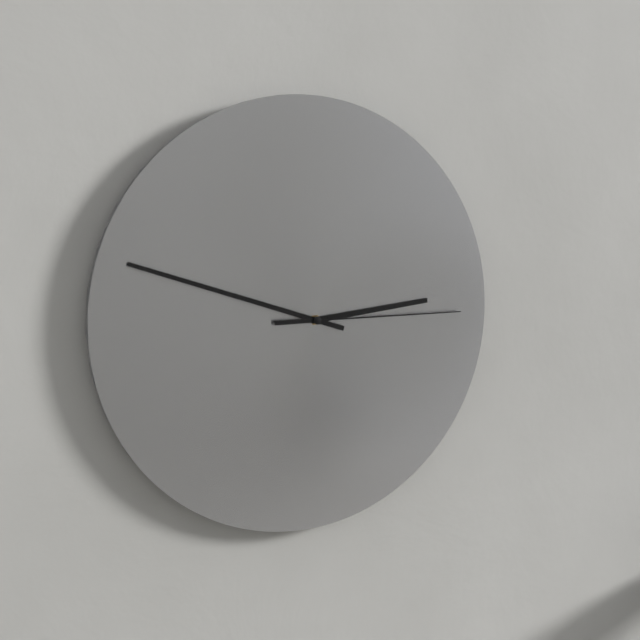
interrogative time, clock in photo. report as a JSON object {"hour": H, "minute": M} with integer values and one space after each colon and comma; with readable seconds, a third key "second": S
{"hour": 2, "minute": 48, "second": 15}
